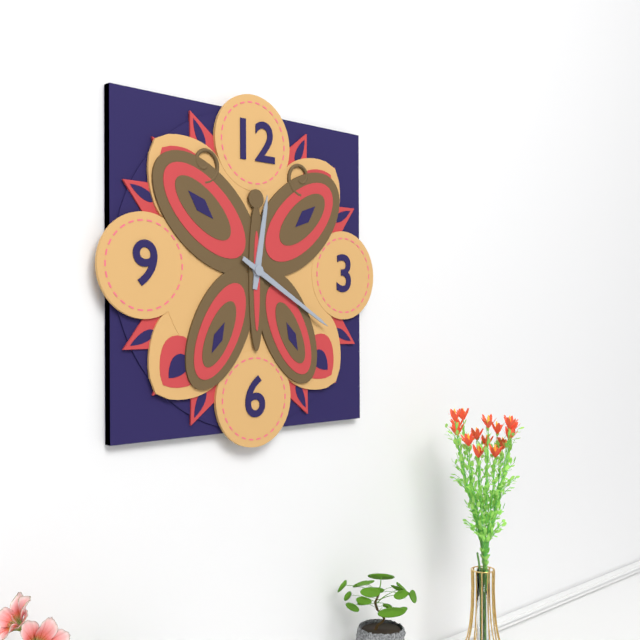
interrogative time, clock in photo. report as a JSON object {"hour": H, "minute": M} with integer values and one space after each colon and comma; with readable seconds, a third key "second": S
{"hour": 12, "minute": 20}
